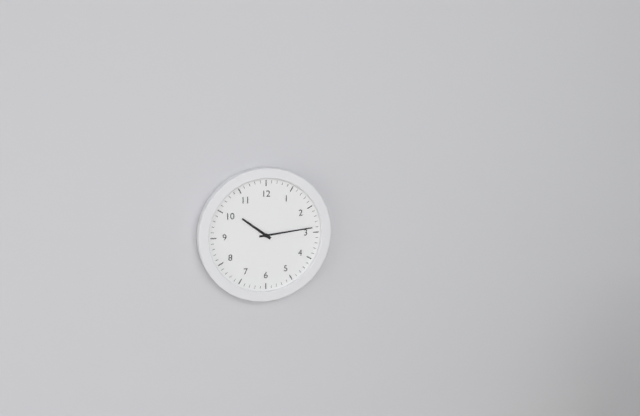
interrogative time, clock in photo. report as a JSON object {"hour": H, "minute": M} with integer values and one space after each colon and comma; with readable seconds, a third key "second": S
{"hour": 10, "minute": 14}
